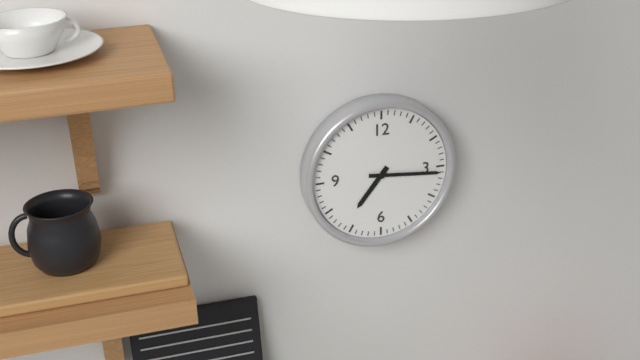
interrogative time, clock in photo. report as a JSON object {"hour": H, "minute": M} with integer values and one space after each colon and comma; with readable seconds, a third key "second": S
{"hour": 7, "minute": 16}
